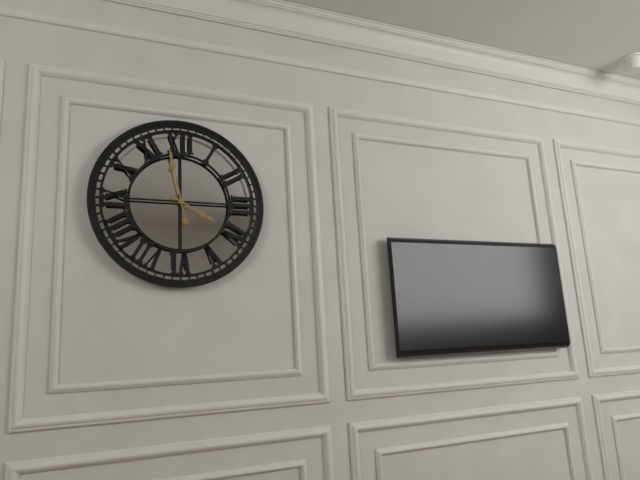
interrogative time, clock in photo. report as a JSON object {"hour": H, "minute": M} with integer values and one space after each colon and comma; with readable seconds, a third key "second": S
{"hour": 3, "minute": 58}
